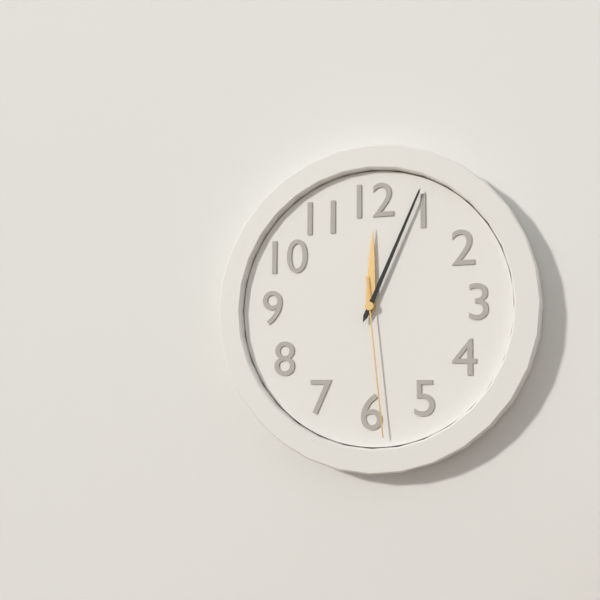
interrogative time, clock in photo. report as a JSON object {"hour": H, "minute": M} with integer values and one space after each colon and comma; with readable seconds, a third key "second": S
{"hour": 12, "minute": 4, "second": 29}
